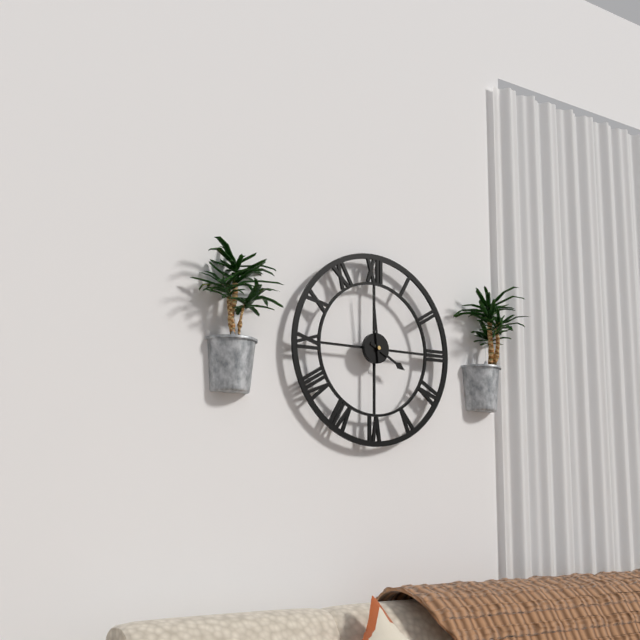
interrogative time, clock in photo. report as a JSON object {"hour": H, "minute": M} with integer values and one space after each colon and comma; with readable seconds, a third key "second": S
{"hour": 3, "minute": 59}
